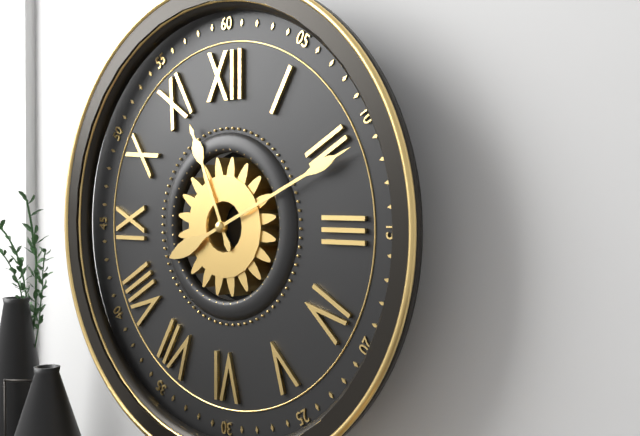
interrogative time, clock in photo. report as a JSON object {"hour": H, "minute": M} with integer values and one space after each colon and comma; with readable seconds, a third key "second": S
{"hour": 11, "minute": 11}
